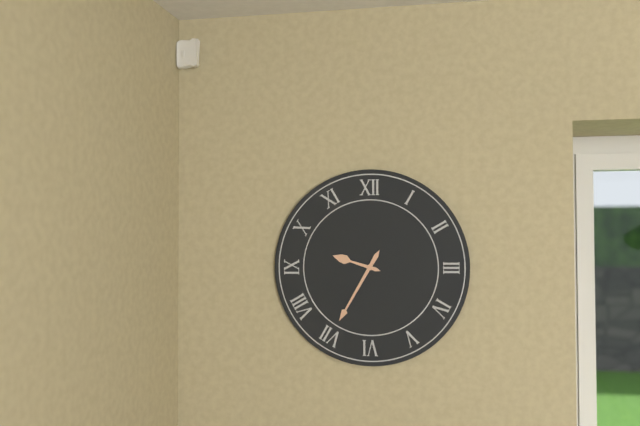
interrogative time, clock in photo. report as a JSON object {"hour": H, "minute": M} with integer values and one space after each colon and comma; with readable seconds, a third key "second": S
{"hour": 9, "minute": 35}
